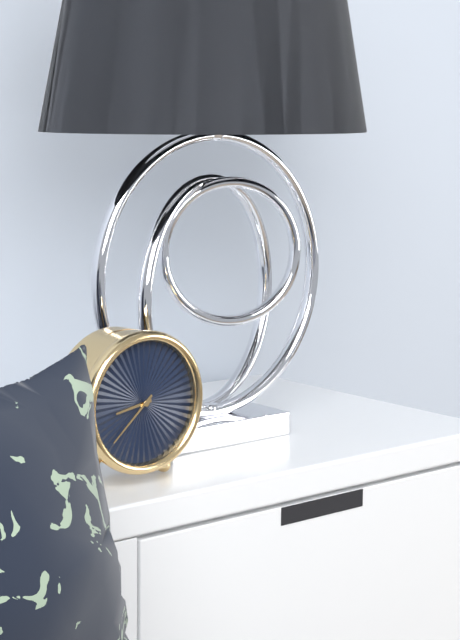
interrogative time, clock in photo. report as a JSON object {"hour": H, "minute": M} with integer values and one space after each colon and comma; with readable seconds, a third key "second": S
{"hour": 8, "minute": 38}
